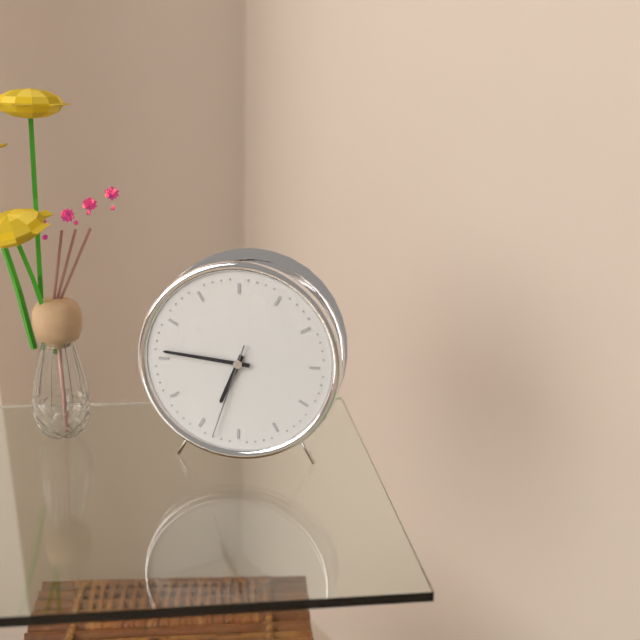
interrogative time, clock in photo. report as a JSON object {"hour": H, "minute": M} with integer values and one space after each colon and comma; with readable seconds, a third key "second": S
{"hour": 6, "minute": 46, "second": 33}
